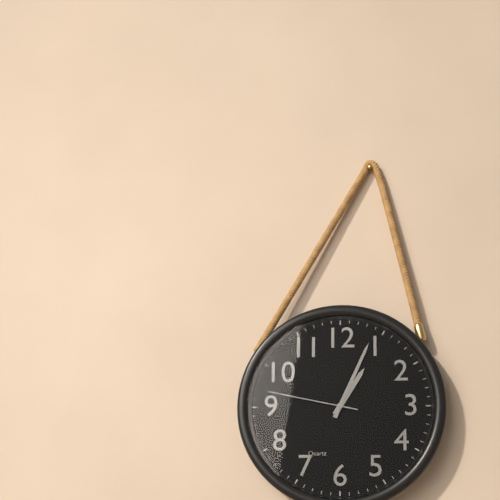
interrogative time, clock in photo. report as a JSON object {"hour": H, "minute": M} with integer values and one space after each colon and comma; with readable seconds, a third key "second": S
{"hour": 1, "minute": 4, "second": 47}
